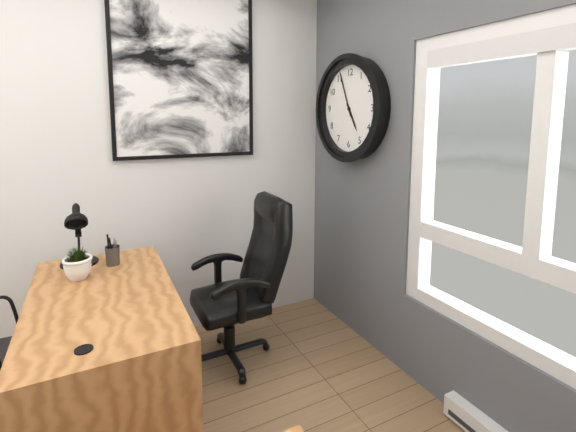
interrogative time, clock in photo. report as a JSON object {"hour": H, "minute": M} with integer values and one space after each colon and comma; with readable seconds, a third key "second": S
{"hour": 4, "minute": 56}
